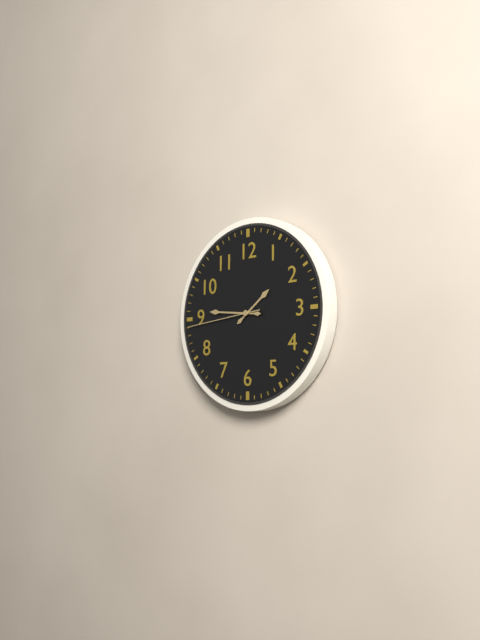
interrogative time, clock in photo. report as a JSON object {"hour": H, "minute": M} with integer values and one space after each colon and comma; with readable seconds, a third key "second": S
{"hour": 1, "minute": 46, "second": 44}
